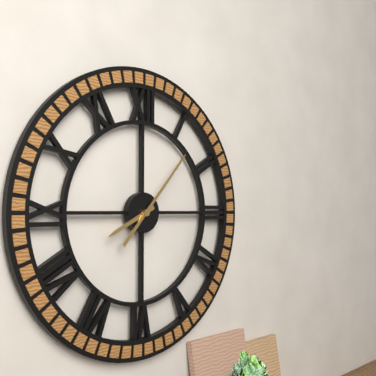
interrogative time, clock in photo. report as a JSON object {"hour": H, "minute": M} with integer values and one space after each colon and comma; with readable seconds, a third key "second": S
{"hour": 8, "minute": 7}
